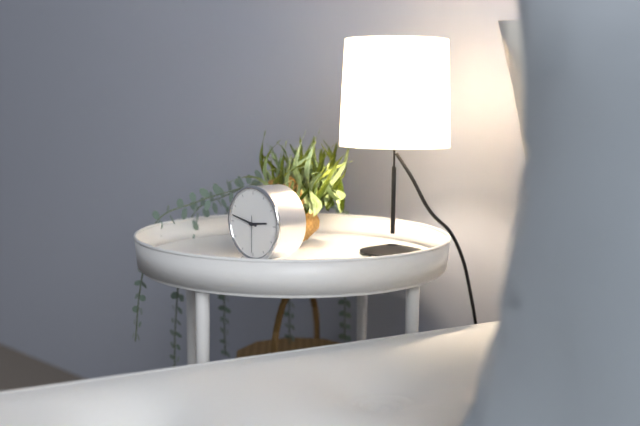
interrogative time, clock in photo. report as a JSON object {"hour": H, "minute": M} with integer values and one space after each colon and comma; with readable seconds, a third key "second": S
{"hour": 2, "minute": 47}
